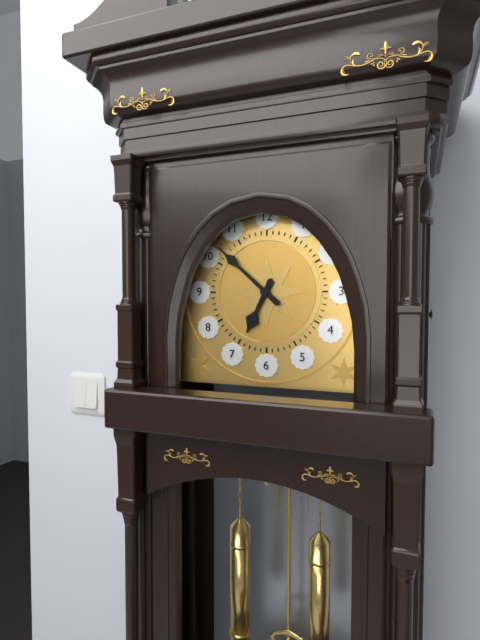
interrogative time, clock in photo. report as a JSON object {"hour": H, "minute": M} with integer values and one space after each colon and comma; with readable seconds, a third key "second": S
{"hour": 6, "minute": 52}
